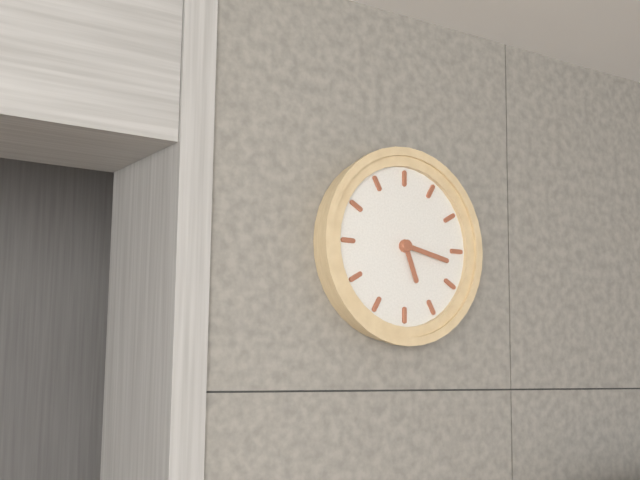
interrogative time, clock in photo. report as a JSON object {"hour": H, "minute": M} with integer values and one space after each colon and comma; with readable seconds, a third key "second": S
{"hour": 5, "minute": 17}
